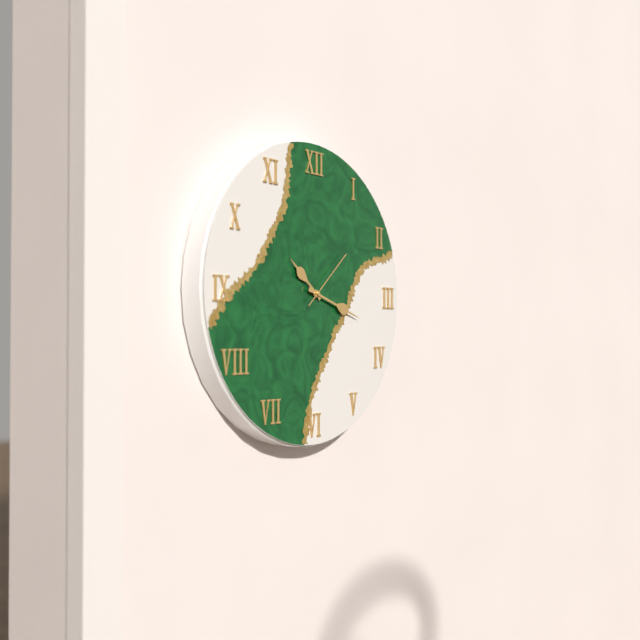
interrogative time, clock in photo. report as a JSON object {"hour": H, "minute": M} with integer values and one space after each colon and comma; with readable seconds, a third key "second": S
{"hour": 10, "minute": 18, "second": 8}
